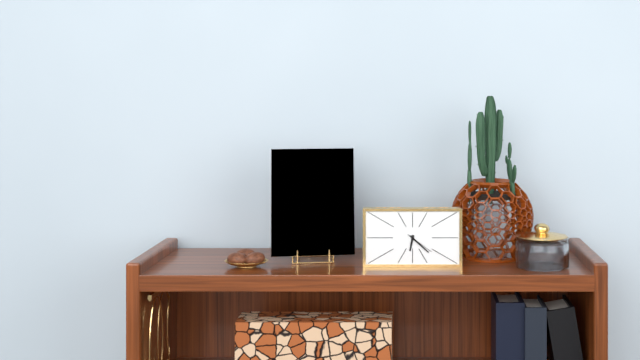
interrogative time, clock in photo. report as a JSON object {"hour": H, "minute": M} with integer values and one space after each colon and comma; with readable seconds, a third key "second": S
{"hour": 6, "minute": 22}
